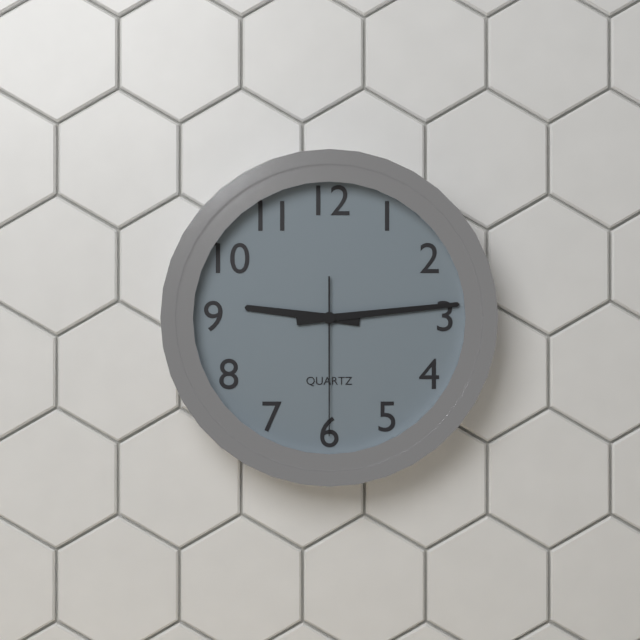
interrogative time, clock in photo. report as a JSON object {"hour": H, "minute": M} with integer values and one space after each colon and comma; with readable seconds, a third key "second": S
{"hour": 9, "minute": 14, "second": 30}
